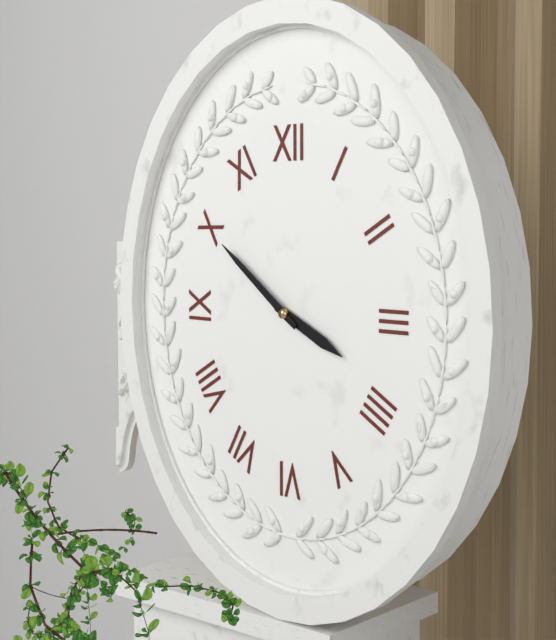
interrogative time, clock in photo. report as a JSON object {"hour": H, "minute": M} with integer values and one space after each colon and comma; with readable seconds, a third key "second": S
{"hour": 3, "minute": 51}
